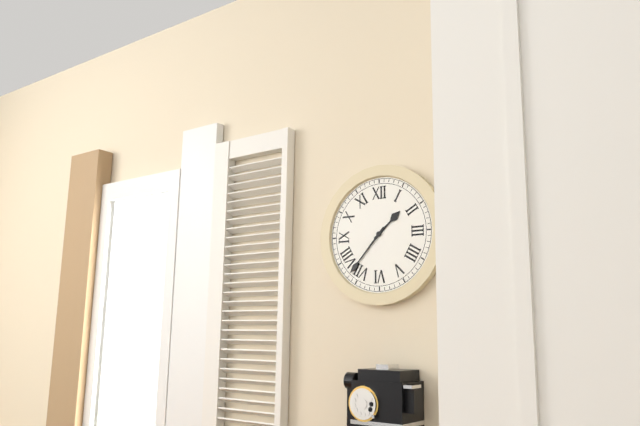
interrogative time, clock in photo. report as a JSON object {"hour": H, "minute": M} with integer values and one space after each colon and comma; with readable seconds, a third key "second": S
{"hour": 1, "minute": 37}
